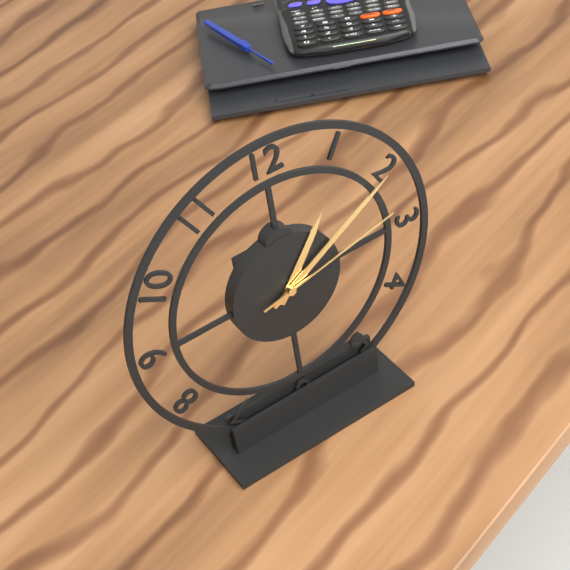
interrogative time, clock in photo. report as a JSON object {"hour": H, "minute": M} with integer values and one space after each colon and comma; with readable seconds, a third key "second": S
{"hour": 1, "minute": 10, "second": 13}
